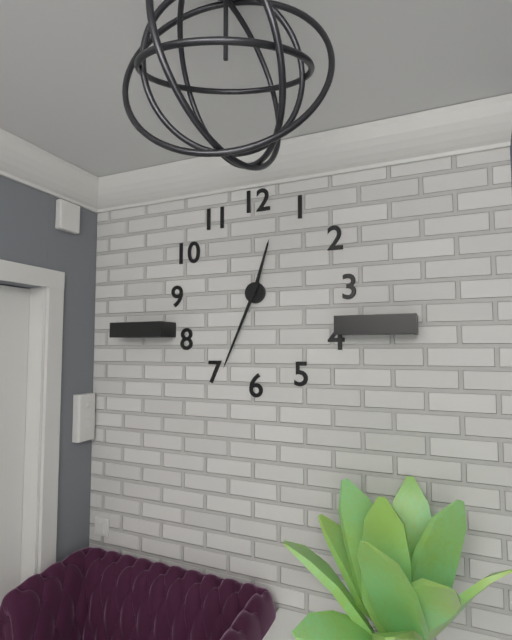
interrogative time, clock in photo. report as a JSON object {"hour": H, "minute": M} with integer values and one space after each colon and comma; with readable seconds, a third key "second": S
{"hour": 12, "minute": 34}
